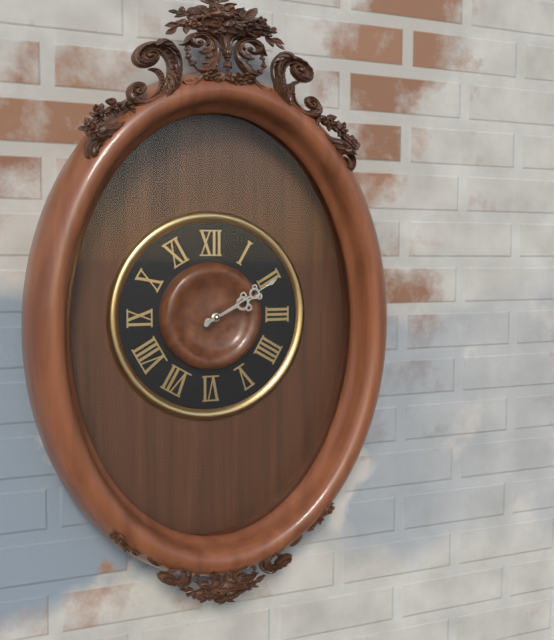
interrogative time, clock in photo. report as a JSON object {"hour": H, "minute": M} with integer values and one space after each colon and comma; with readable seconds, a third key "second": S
{"hour": 2, "minute": 10}
